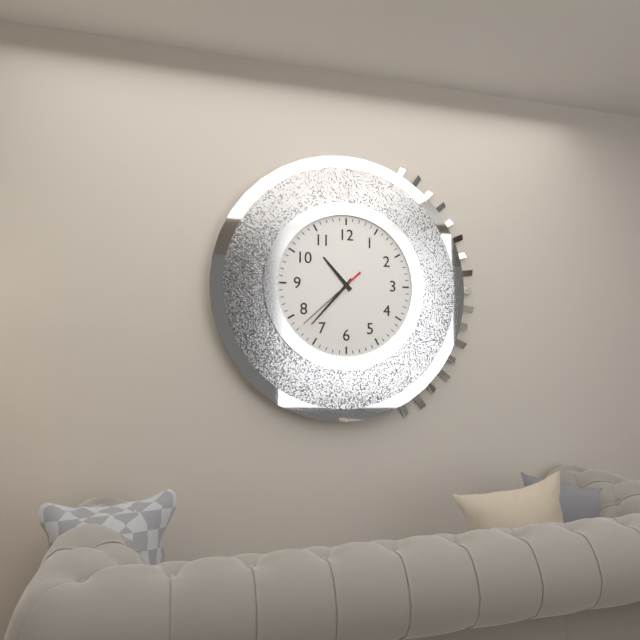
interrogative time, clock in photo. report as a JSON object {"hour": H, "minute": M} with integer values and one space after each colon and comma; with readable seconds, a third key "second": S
{"hour": 10, "minute": 37, "second": 38}
